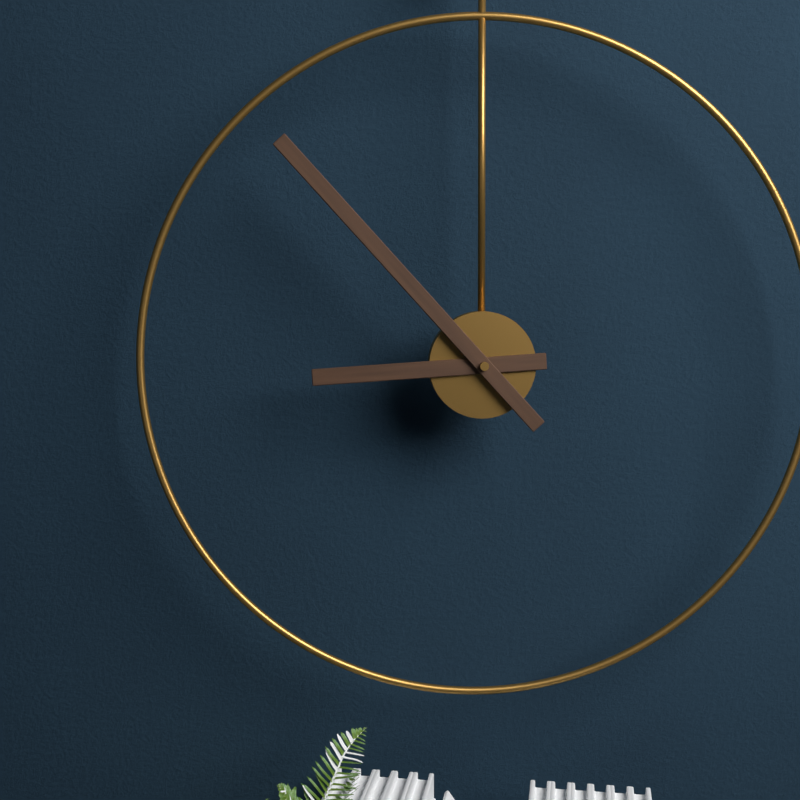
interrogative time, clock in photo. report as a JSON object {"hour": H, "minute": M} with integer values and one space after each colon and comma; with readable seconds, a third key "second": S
{"hour": 8, "minute": 53}
